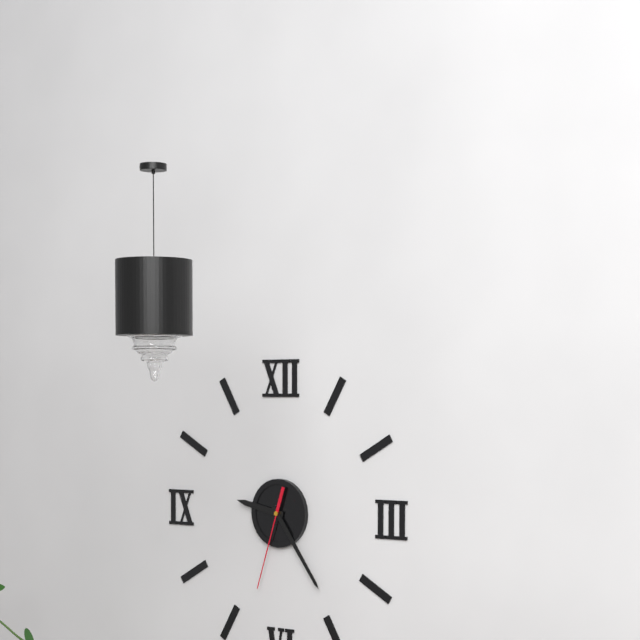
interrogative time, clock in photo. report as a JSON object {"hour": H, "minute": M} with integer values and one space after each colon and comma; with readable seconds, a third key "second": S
{"hour": 9, "minute": 24, "second": 33}
